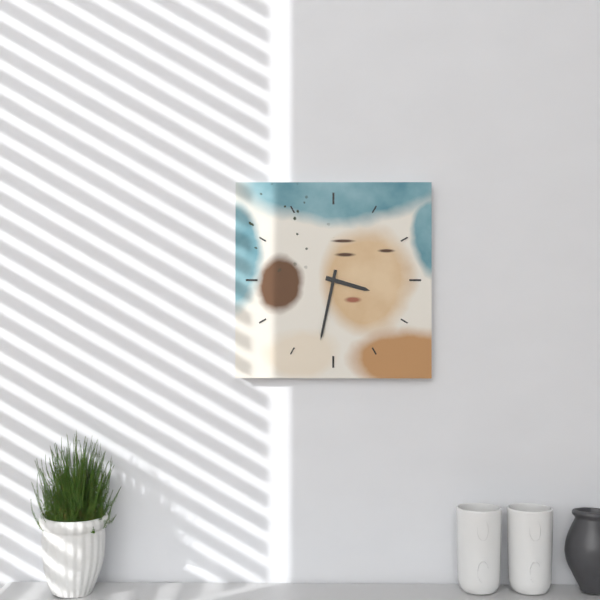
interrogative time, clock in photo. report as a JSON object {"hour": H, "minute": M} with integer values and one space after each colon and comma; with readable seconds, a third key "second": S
{"hour": 3, "minute": 32}
